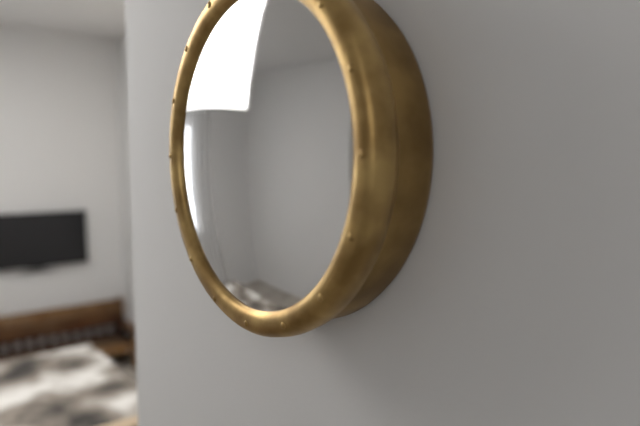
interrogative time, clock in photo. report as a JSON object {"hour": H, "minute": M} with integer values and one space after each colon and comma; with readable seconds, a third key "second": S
{"hour": 10, "minute": 5}
